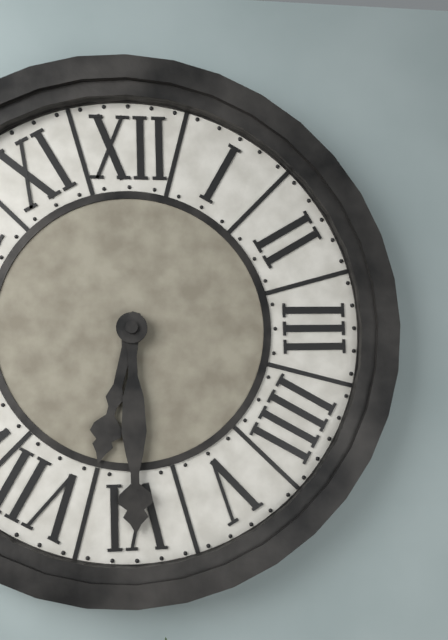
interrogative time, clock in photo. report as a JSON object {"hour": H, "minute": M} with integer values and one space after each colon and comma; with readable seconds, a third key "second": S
{"hour": 6, "minute": 30}
